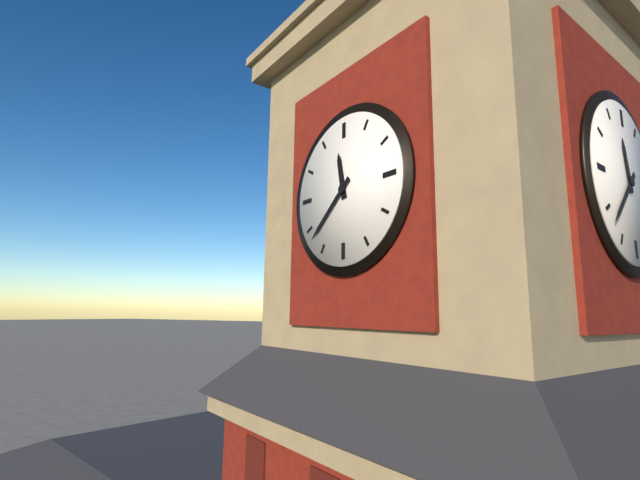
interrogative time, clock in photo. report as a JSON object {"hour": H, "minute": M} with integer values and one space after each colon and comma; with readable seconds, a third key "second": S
{"hour": 11, "minute": 38}
